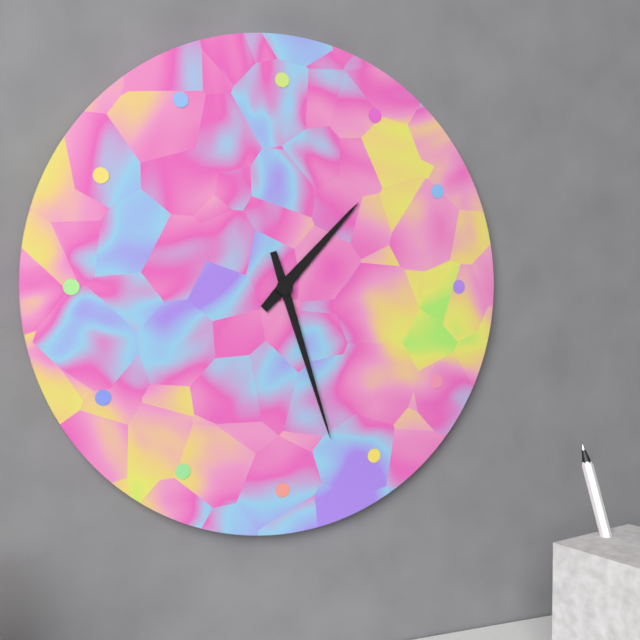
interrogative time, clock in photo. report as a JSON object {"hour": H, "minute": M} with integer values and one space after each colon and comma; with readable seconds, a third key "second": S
{"hour": 1, "minute": 27}
